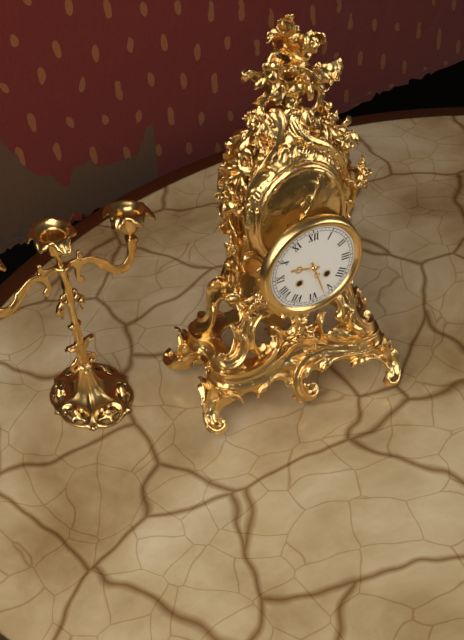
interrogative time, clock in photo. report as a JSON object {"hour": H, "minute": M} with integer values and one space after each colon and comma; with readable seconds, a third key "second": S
{"hour": 9, "minute": 27}
